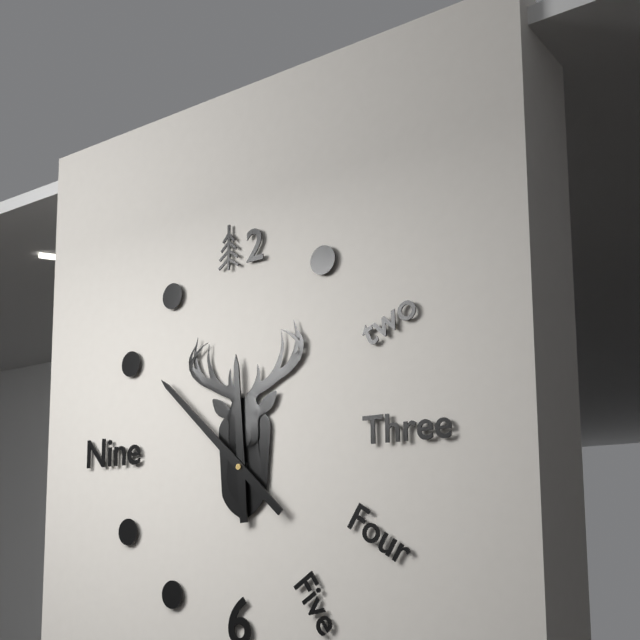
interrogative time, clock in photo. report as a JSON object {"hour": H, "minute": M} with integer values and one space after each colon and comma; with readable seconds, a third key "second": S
{"hour": 11, "minute": 52}
